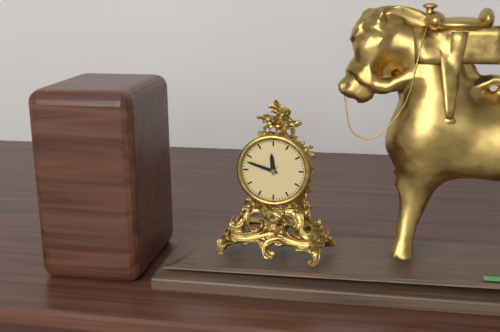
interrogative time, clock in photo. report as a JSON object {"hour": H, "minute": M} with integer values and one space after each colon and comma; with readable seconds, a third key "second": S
{"hour": 11, "minute": 48}
